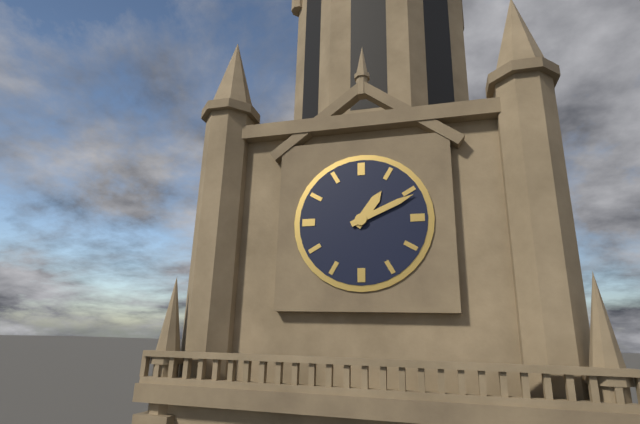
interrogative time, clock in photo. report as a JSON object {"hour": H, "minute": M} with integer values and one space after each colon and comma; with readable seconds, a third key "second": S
{"hour": 1, "minute": 11}
